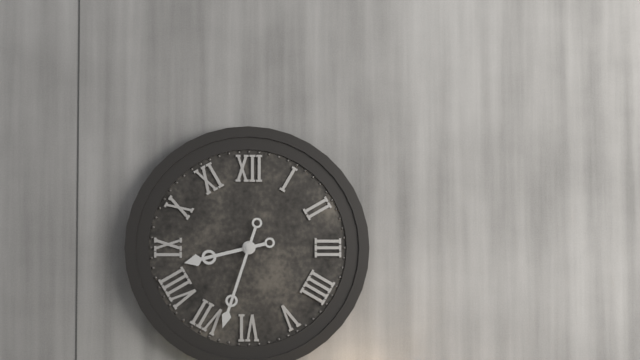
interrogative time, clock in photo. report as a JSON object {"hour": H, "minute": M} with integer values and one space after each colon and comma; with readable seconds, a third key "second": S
{"hour": 8, "minute": 33}
